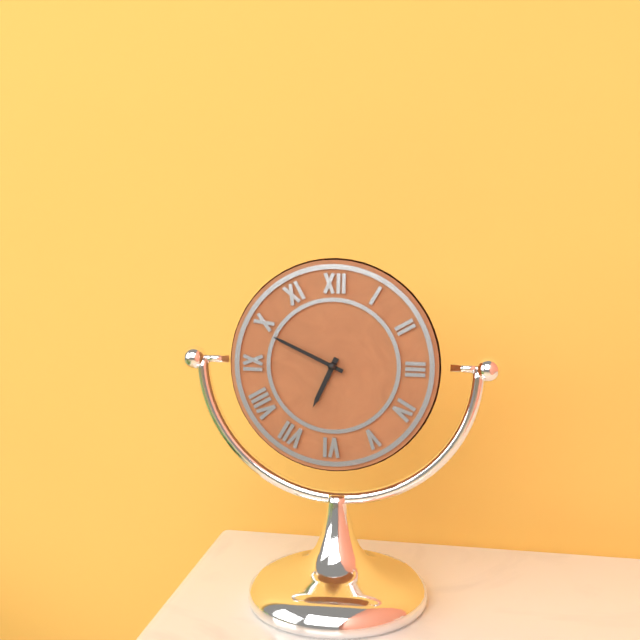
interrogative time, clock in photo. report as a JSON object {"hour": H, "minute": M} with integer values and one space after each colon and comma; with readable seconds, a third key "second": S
{"hour": 6, "minute": 49}
